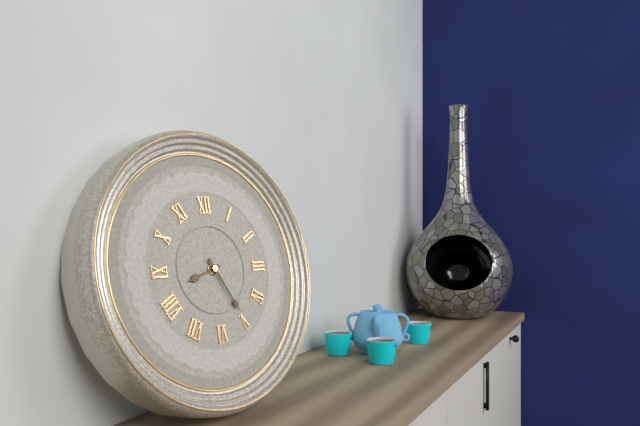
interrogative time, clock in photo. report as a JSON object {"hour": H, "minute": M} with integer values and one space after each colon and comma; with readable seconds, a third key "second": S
{"hour": 8, "minute": 25}
